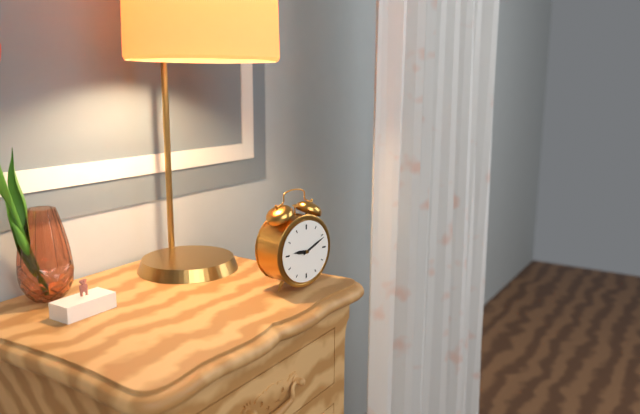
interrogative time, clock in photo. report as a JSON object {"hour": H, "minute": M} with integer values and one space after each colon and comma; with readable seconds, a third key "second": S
{"hour": 9, "minute": 11}
